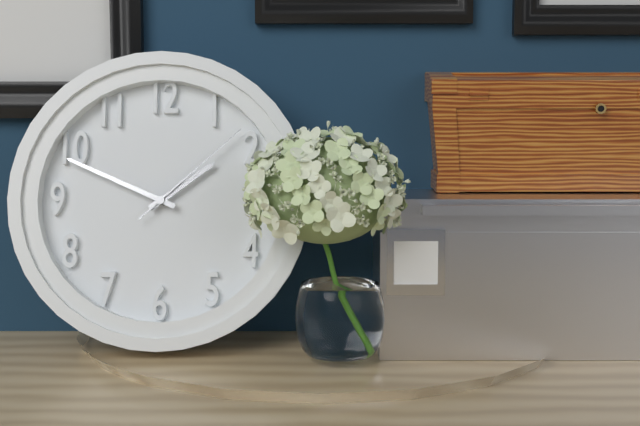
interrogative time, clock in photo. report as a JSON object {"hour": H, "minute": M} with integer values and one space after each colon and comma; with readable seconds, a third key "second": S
{"hour": 1, "minute": 49, "second": 8}
